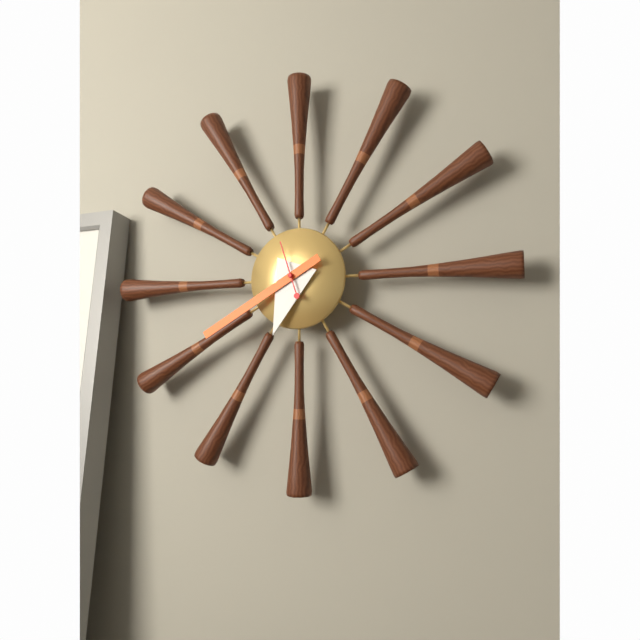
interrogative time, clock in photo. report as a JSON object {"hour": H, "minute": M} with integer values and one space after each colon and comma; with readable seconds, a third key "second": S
{"hour": 6, "minute": 40, "second": 57}
